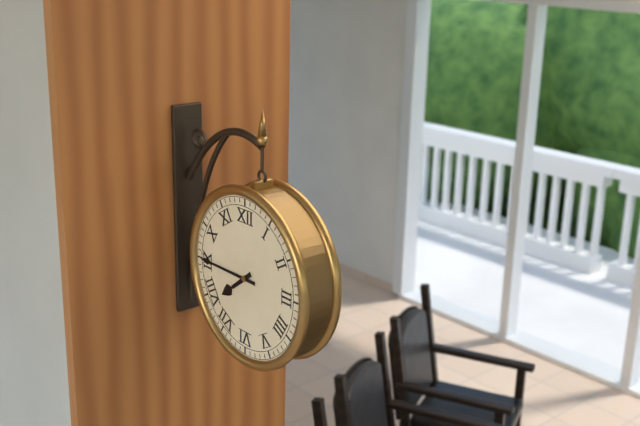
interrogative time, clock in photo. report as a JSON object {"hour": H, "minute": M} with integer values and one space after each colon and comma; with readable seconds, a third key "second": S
{"hour": 7, "minute": 45}
